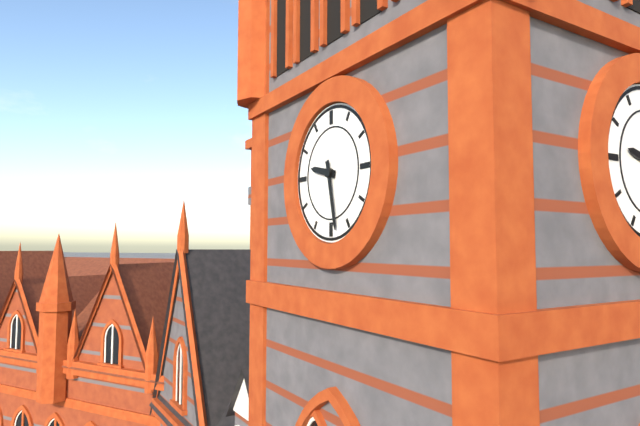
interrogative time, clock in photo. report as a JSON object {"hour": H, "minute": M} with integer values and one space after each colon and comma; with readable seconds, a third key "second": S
{"hour": 9, "minute": 28}
